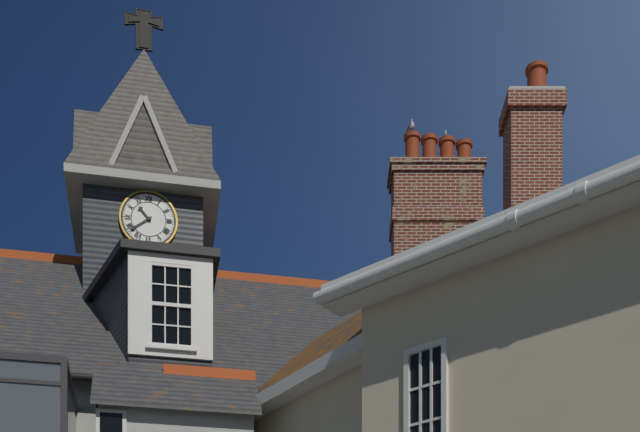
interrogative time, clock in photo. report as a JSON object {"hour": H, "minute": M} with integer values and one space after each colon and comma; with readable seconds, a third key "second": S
{"hour": 10, "minute": 39}
